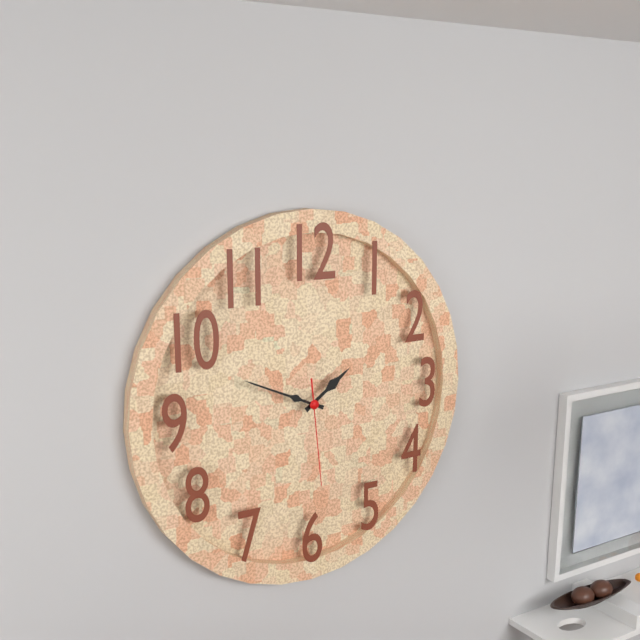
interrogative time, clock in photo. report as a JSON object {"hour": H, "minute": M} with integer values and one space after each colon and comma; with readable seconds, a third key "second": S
{"hour": 1, "minute": 49, "second": 29}
